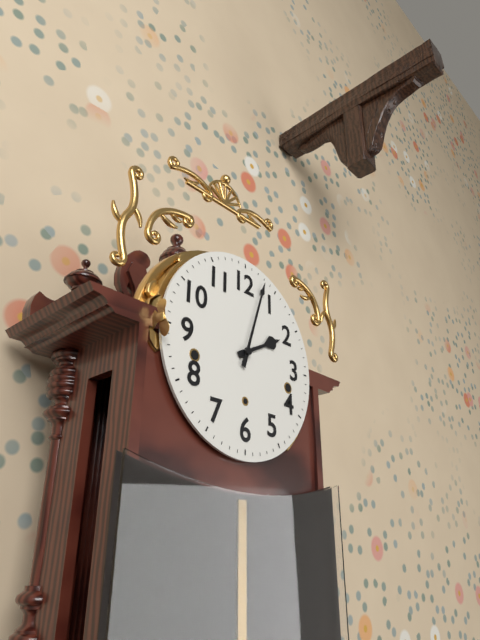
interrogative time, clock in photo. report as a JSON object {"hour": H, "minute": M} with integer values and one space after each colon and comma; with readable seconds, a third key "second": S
{"hour": 2, "minute": 3}
